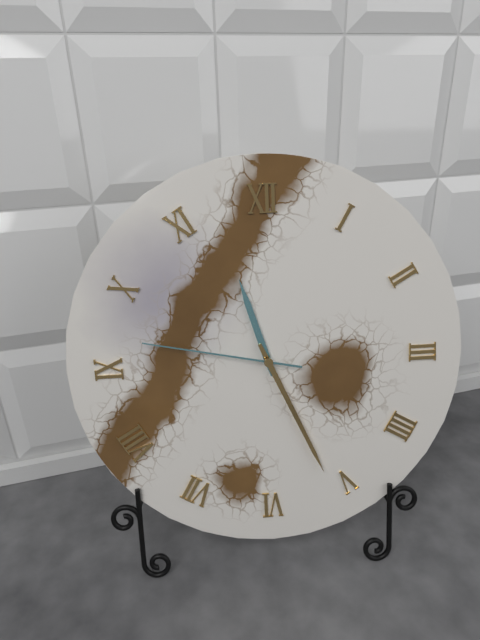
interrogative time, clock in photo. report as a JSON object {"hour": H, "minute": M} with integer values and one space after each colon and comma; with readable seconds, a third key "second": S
{"hour": 11, "minute": 26, "second": 47}
